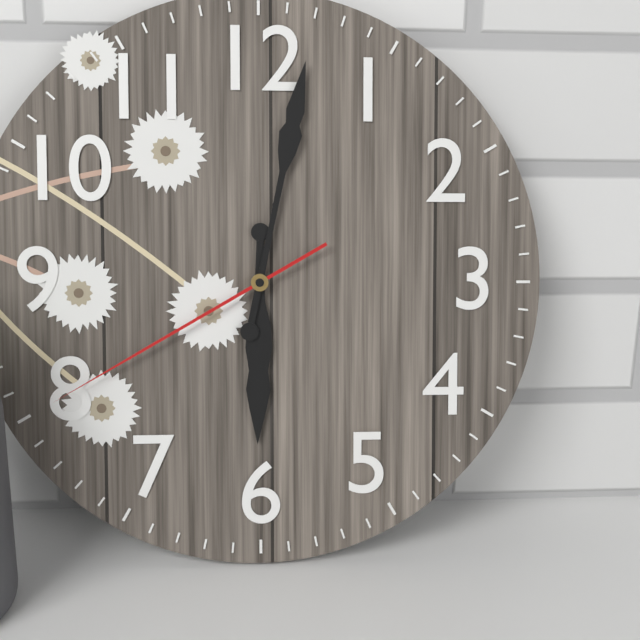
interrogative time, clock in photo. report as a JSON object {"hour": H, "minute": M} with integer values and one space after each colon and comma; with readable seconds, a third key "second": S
{"hour": 6, "minute": 2, "second": 40}
